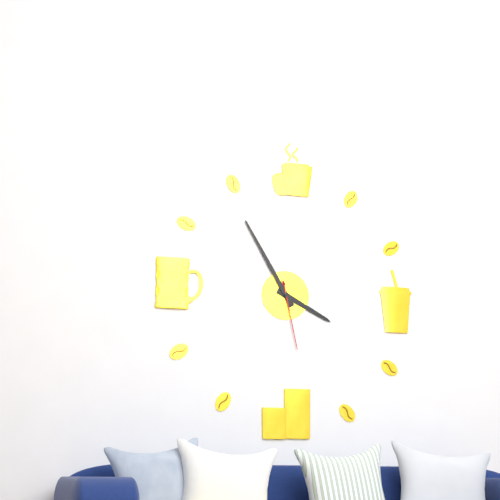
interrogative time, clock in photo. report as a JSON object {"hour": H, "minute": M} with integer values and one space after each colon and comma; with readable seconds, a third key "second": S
{"hour": 3, "minute": 55, "second": 28}
